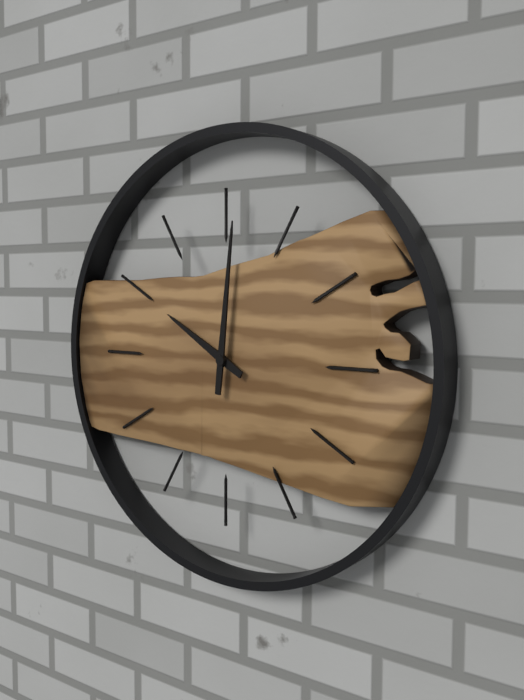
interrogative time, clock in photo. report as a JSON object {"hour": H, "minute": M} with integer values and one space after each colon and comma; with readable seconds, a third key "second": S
{"hour": 10, "minute": 1}
